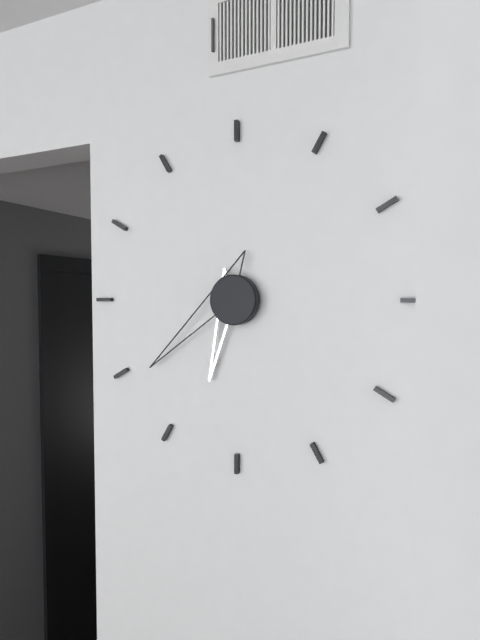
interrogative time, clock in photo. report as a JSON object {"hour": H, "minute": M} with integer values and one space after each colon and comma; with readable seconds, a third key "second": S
{"hour": 6, "minute": 39}
